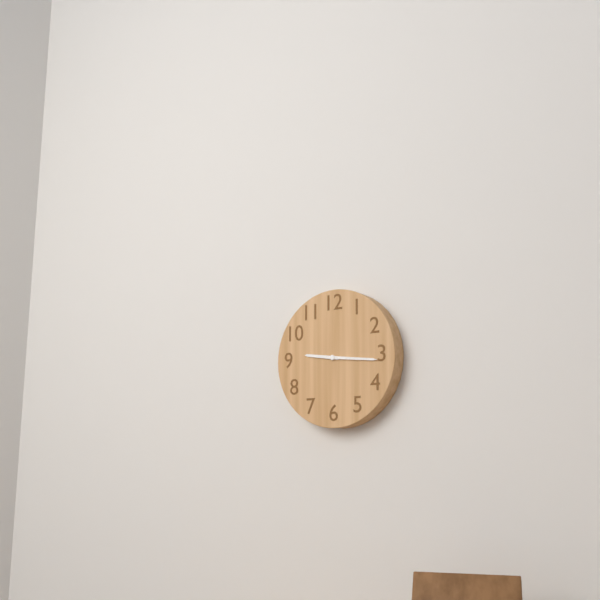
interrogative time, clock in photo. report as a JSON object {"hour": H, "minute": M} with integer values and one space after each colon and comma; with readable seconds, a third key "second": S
{"hour": 9, "minute": 16}
